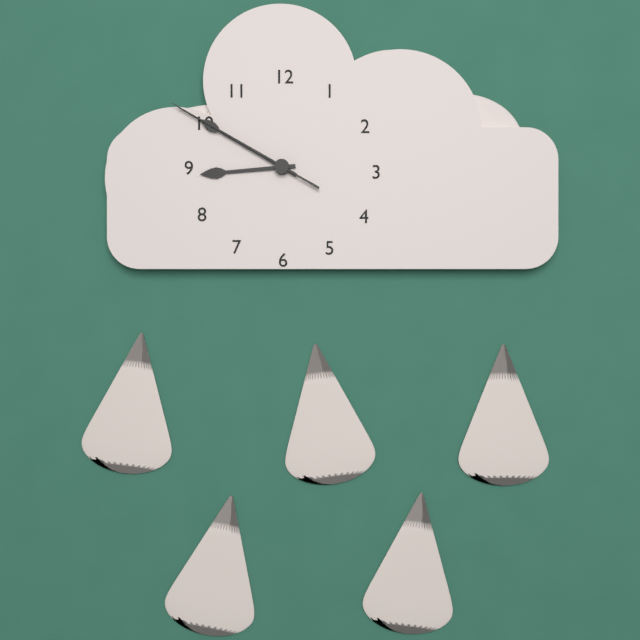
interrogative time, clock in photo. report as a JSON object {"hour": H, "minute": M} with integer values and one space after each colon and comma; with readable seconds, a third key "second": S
{"hour": 8, "minute": 50, "second": 50}
